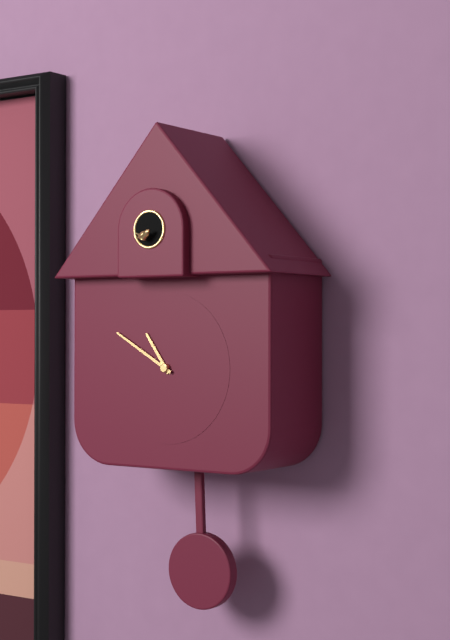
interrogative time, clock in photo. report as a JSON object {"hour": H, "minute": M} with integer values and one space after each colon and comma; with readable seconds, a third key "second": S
{"hour": 10, "minute": 50}
